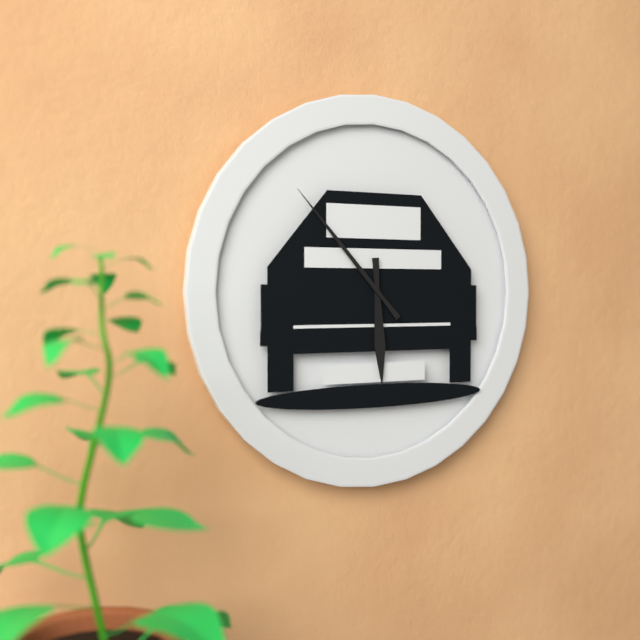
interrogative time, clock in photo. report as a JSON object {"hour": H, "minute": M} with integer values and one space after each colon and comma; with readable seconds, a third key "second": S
{"hour": 5, "minute": 53}
